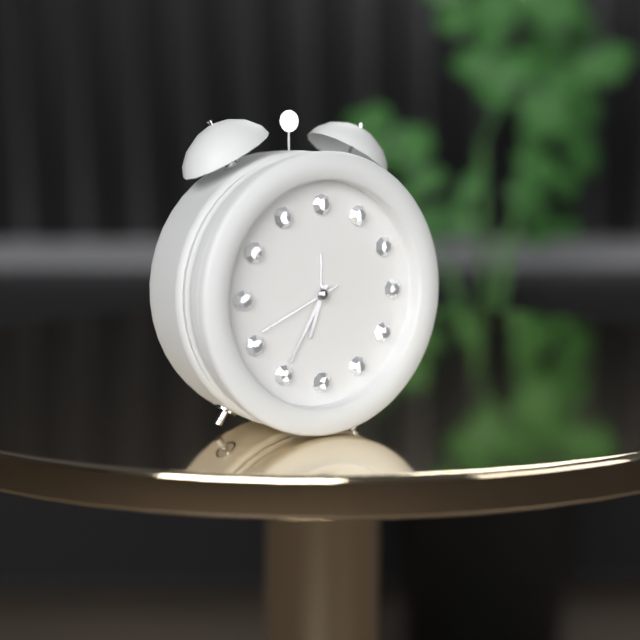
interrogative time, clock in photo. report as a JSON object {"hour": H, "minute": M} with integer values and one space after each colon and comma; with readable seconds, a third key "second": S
{"hour": 6, "minute": 35, "second": 41}
